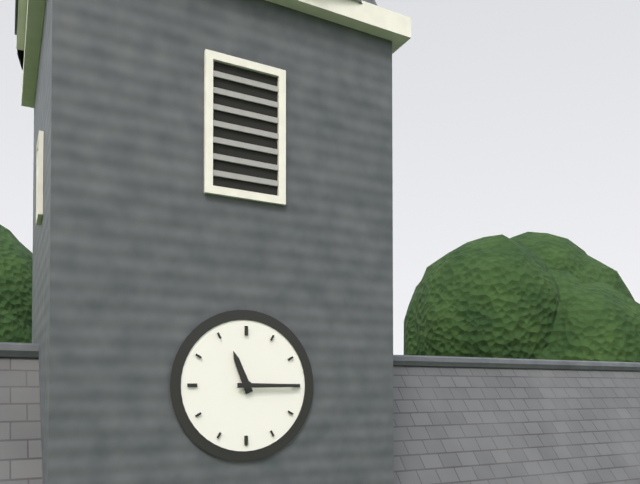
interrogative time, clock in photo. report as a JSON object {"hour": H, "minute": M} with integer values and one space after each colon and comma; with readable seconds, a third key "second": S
{"hour": 11, "minute": 15}
